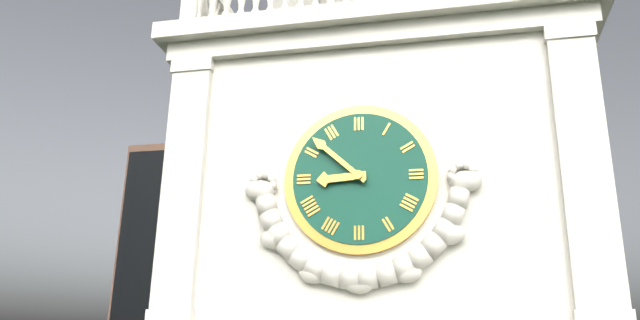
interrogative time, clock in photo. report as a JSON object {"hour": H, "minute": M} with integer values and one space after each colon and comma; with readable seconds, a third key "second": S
{"hour": 8, "minute": 52}
